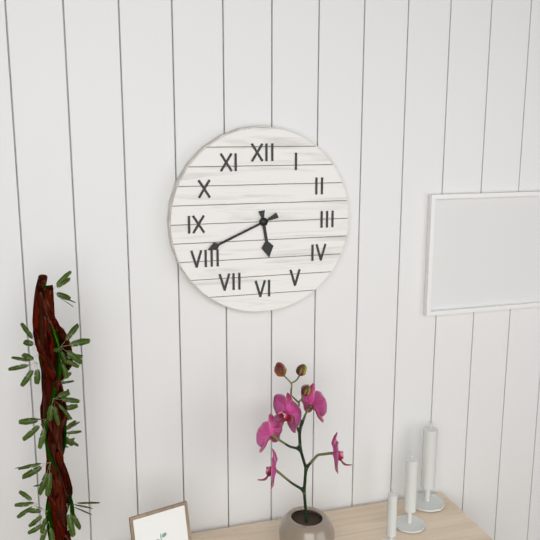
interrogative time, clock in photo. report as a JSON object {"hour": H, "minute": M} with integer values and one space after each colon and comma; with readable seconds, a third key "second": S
{"hour": 5, "minute": 41}
